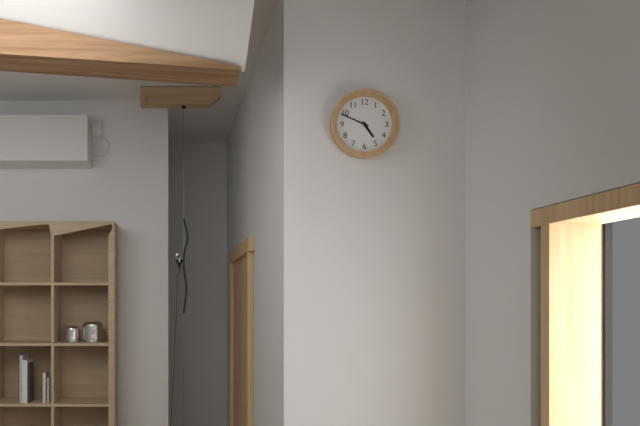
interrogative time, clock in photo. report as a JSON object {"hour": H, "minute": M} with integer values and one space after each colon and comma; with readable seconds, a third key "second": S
{"hour": 4, "minute": 49}
